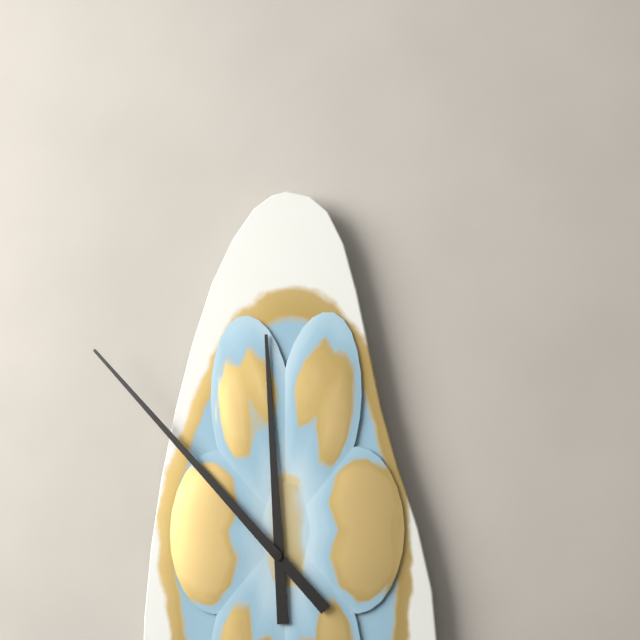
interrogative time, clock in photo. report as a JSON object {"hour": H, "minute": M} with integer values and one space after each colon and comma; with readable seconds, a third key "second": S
{"hour": 11, "minute": 53}
